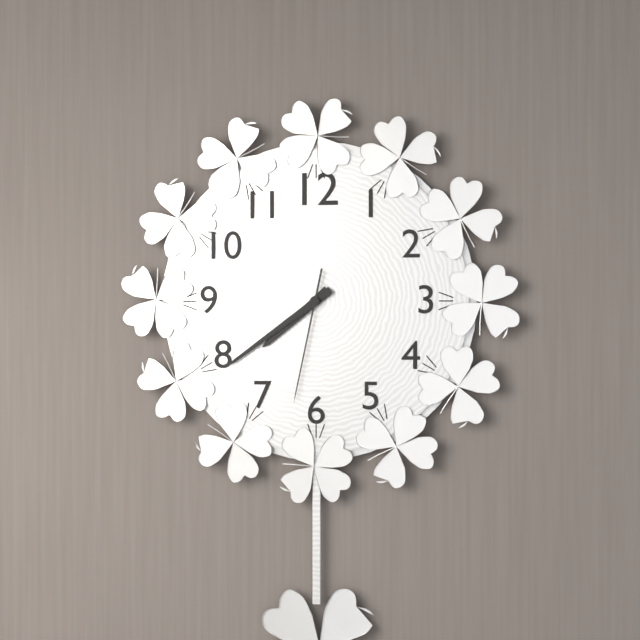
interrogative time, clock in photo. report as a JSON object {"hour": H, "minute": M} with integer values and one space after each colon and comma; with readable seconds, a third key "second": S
{"hour": 7, "minute": 39, "second": 32}
